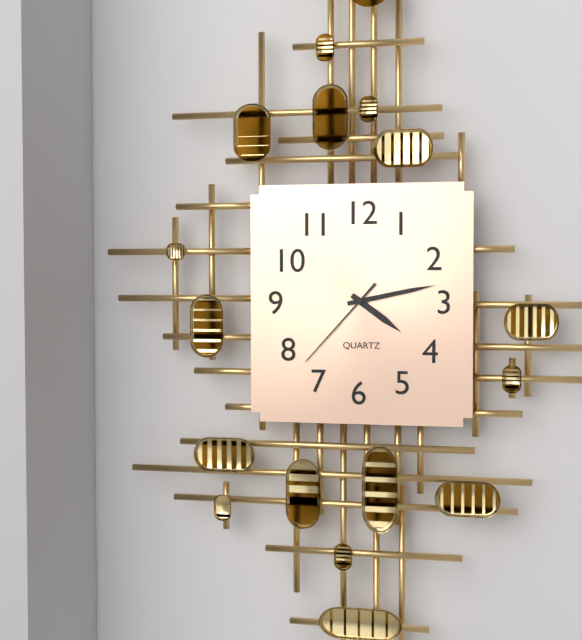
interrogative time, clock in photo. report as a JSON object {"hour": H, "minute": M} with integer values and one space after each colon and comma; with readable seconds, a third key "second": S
{"hour": 4, "minute": 13, "second": 37}
